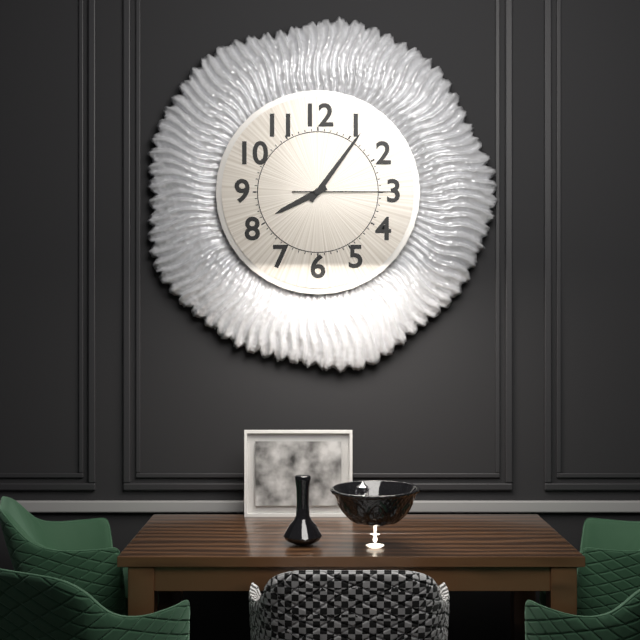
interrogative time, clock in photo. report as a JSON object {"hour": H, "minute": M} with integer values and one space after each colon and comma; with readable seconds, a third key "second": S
{"hour": 8, "minute": 6, "second": 15}
